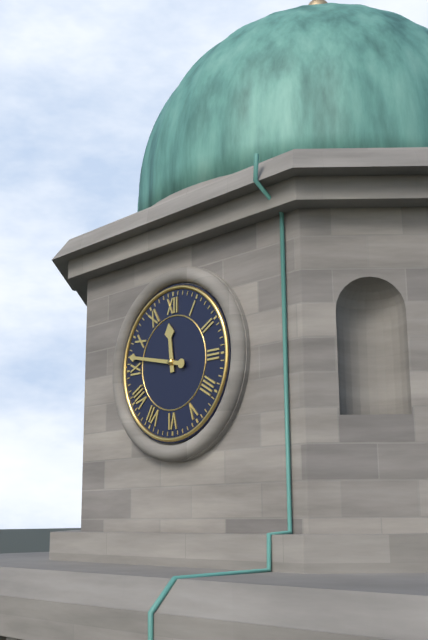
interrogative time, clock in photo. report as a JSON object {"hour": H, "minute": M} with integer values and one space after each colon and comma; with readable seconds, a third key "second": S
{"hour": 11, "minute": 47}
